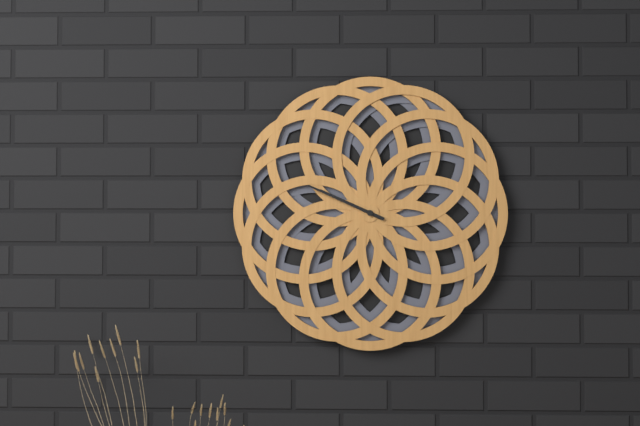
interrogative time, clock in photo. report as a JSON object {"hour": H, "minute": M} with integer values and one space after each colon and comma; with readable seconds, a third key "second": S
{"hour": 9, "minute": 49}
